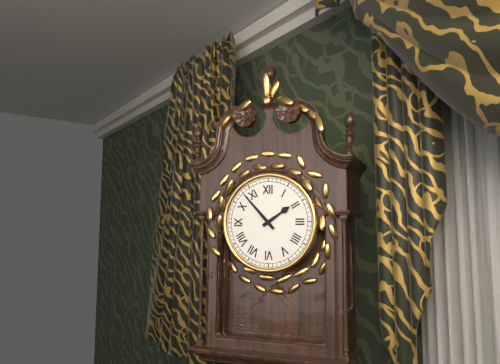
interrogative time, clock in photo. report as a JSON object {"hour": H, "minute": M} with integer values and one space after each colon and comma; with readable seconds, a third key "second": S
{"hour": 1, "minute": 53}
